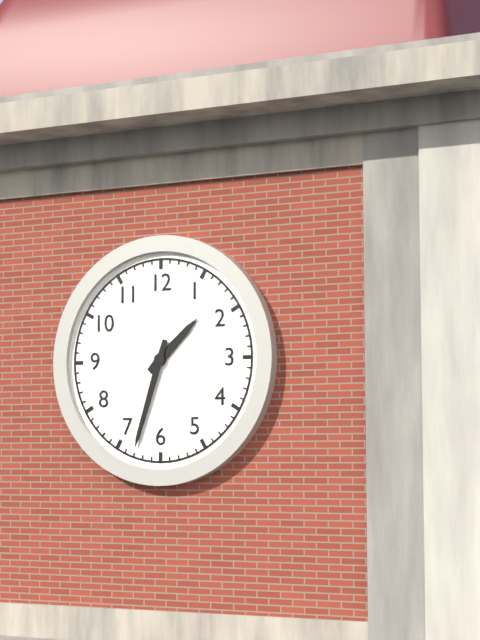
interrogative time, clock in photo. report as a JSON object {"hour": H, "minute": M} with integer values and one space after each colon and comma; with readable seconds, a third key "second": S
{"hour": 1, "minute": 33}
